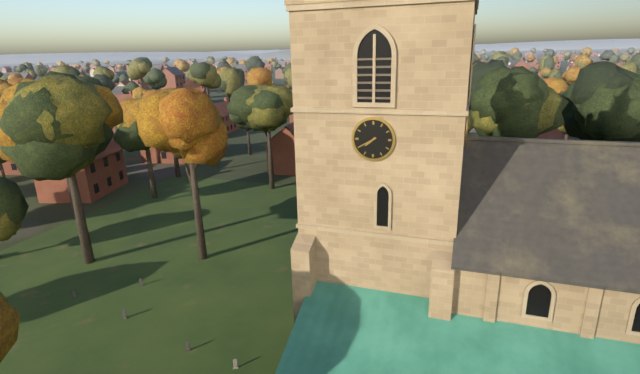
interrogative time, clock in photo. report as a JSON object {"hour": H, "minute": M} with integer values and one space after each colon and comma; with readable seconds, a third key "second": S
{"hour": 7, "minute": 40}
